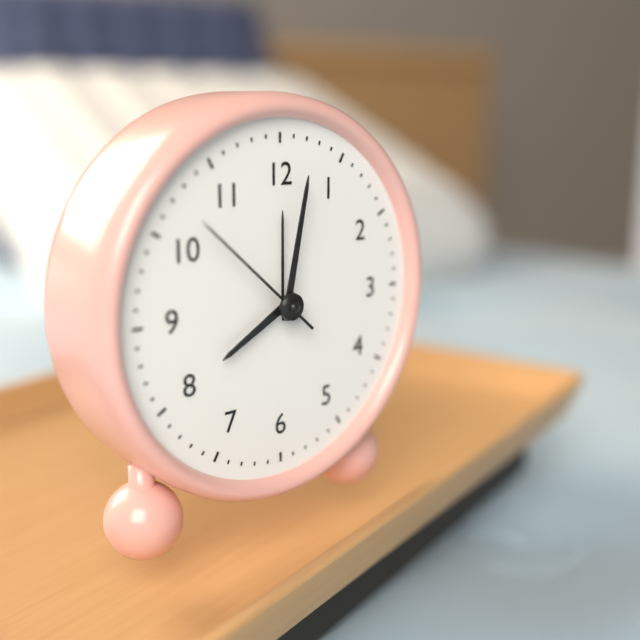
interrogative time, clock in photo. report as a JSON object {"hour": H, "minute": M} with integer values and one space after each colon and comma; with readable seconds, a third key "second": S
{"hour": 8, "minute": 2, "second": 52}
